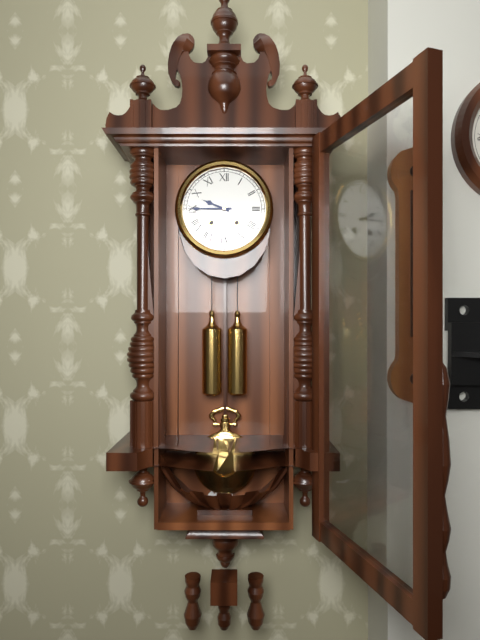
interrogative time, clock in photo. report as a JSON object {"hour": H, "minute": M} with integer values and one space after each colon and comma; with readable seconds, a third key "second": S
{"hour": 9, "minute": 45}
